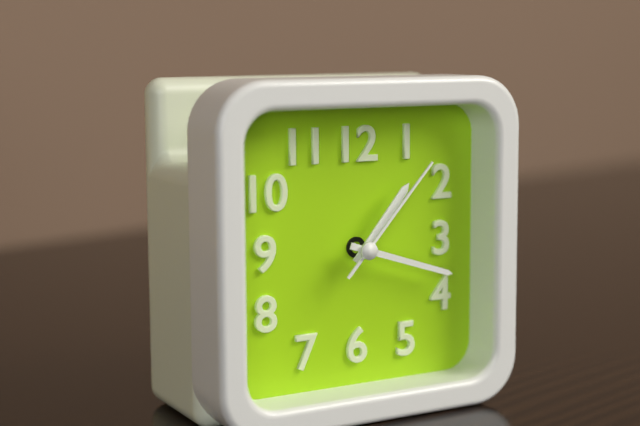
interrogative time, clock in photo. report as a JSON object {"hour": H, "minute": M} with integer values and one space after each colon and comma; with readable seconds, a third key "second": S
{"hour": 1, "minute": 18, "second": 7}
